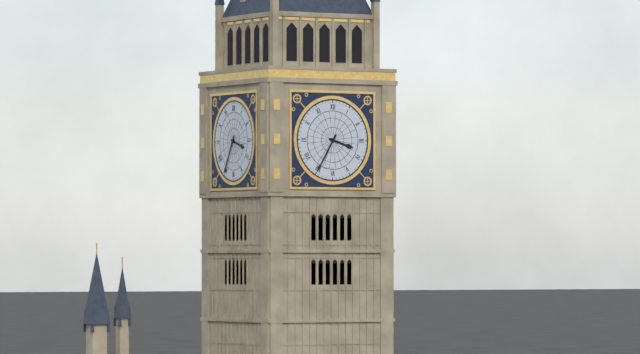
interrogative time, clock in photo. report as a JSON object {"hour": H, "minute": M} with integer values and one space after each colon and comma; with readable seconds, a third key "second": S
{"hour": 3, "minute": 35}
